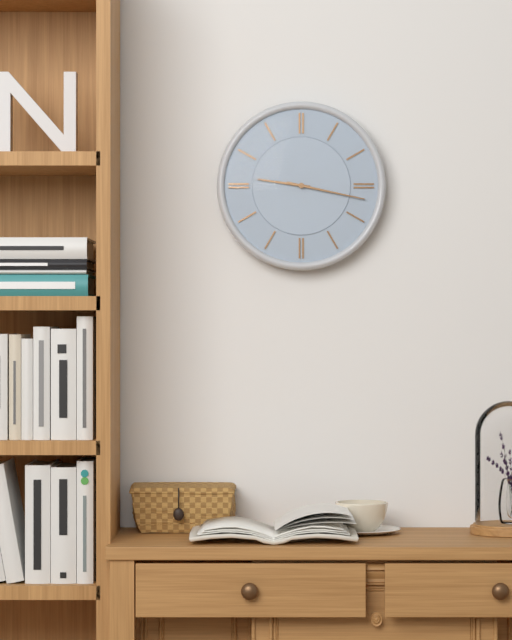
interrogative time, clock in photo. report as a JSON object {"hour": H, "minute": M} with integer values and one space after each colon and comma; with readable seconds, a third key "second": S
{"hour": 9, "minute": 17}
